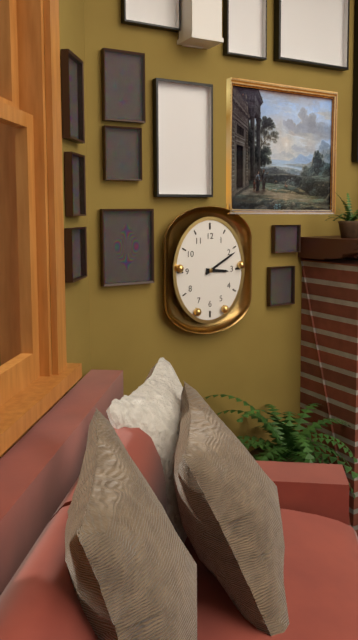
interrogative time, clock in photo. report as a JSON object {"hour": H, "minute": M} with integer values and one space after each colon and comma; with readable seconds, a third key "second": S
{"hour": 3, "minute": 10}
